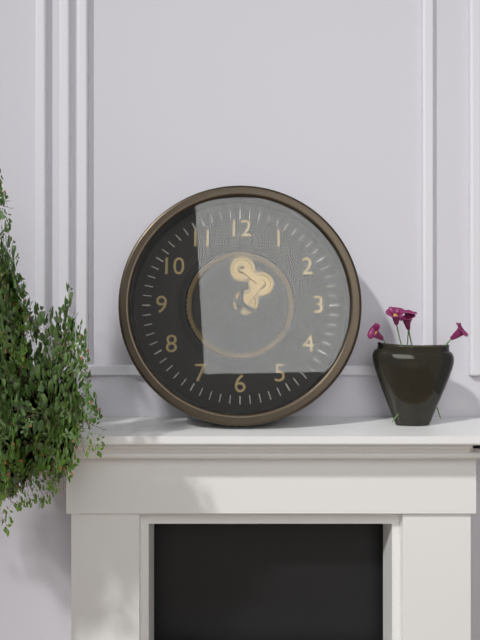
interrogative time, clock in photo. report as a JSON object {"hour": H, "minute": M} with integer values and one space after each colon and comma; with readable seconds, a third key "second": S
{"hour": 6, "minute": 20}
